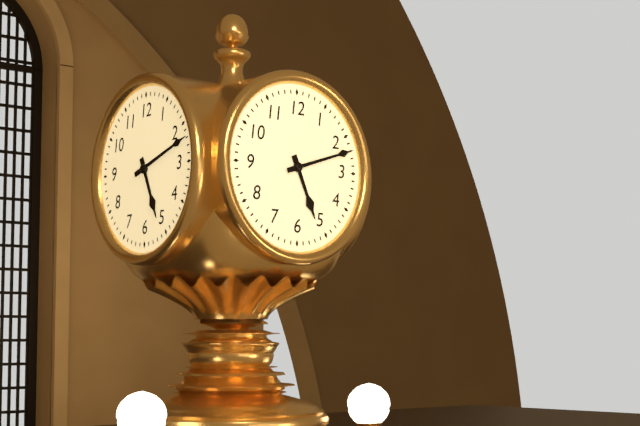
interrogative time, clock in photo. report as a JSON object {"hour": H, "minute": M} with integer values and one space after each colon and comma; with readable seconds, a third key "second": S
{"hour": 5, "minute": 12}
